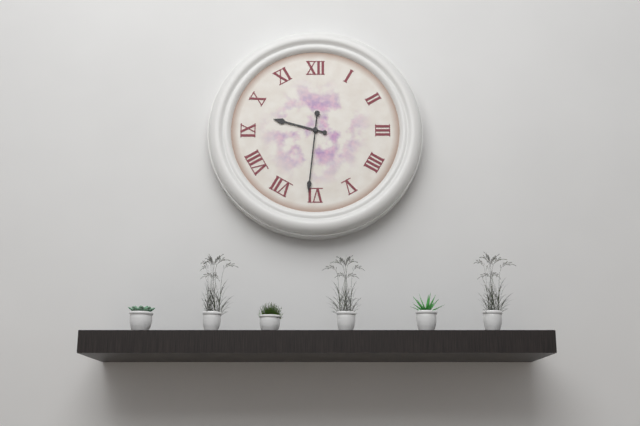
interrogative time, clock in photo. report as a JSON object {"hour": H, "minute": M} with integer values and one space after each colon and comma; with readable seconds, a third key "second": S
{"hour": 9, "minute": 31}
